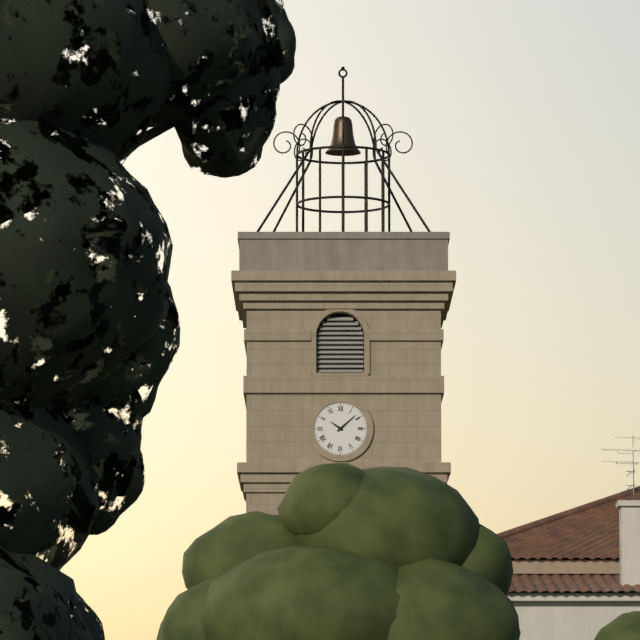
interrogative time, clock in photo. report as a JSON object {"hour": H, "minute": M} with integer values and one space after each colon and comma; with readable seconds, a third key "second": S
{"hour": 10, "minute": 8}
